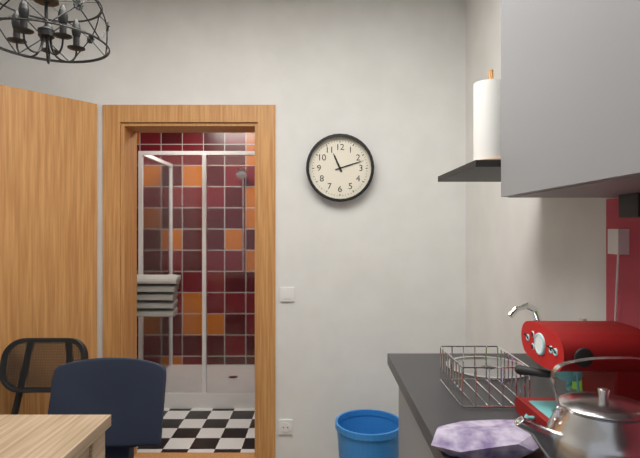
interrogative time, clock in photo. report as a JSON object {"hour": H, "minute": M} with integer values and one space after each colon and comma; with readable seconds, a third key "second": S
{"hour": 11, "minute": 12}
